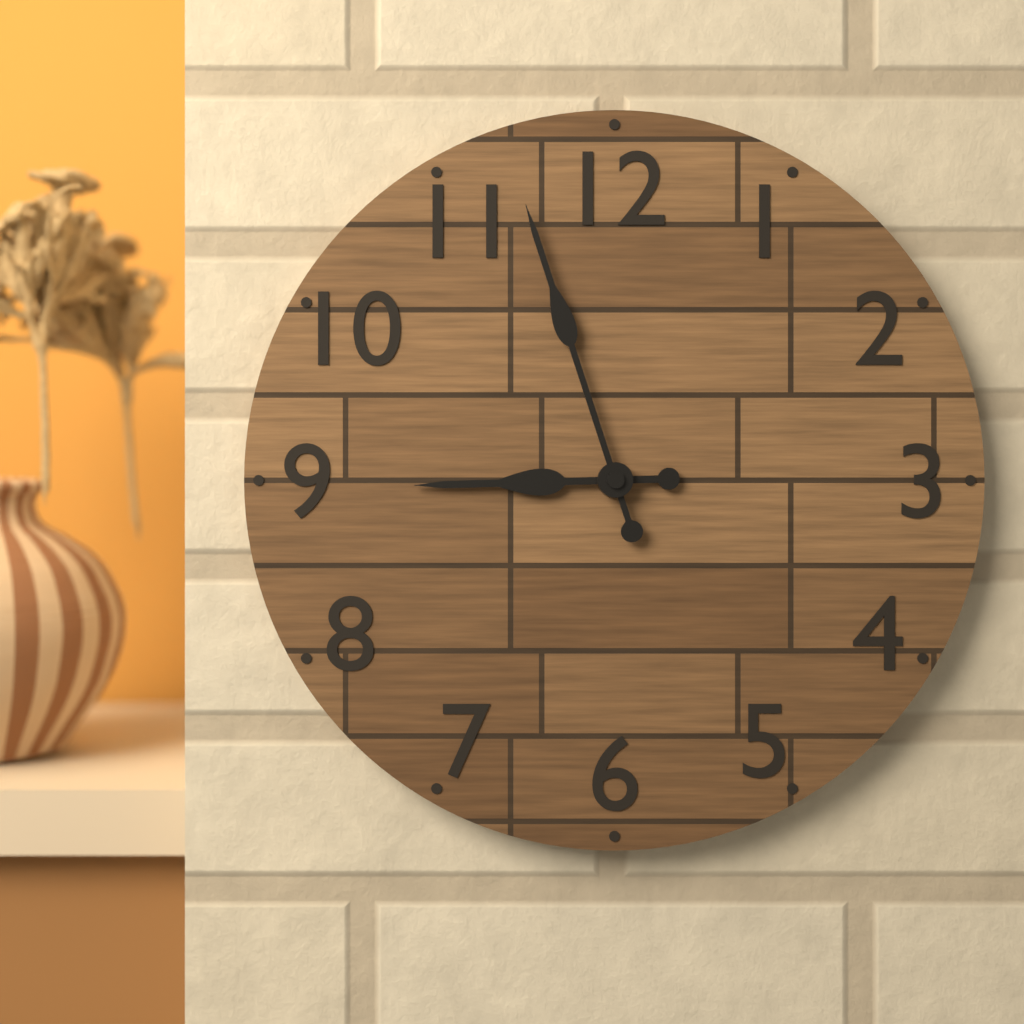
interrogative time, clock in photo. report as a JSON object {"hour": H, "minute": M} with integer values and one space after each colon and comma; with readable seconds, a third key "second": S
{"hour": 8, "minute": 57}
